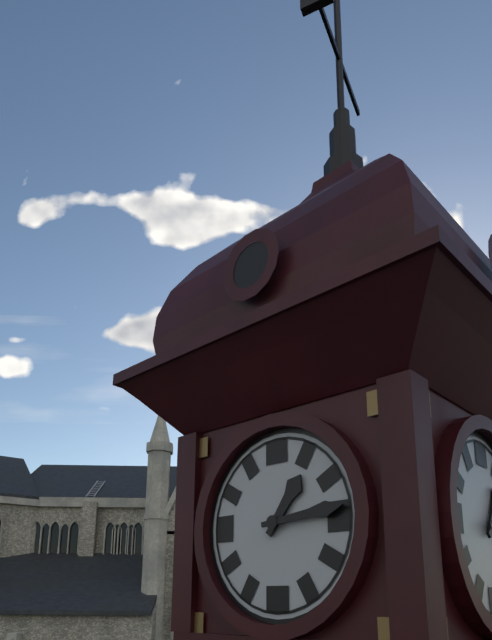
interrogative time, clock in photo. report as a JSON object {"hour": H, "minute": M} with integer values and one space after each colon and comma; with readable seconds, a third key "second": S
{"hour": 1, "minute": 14}
